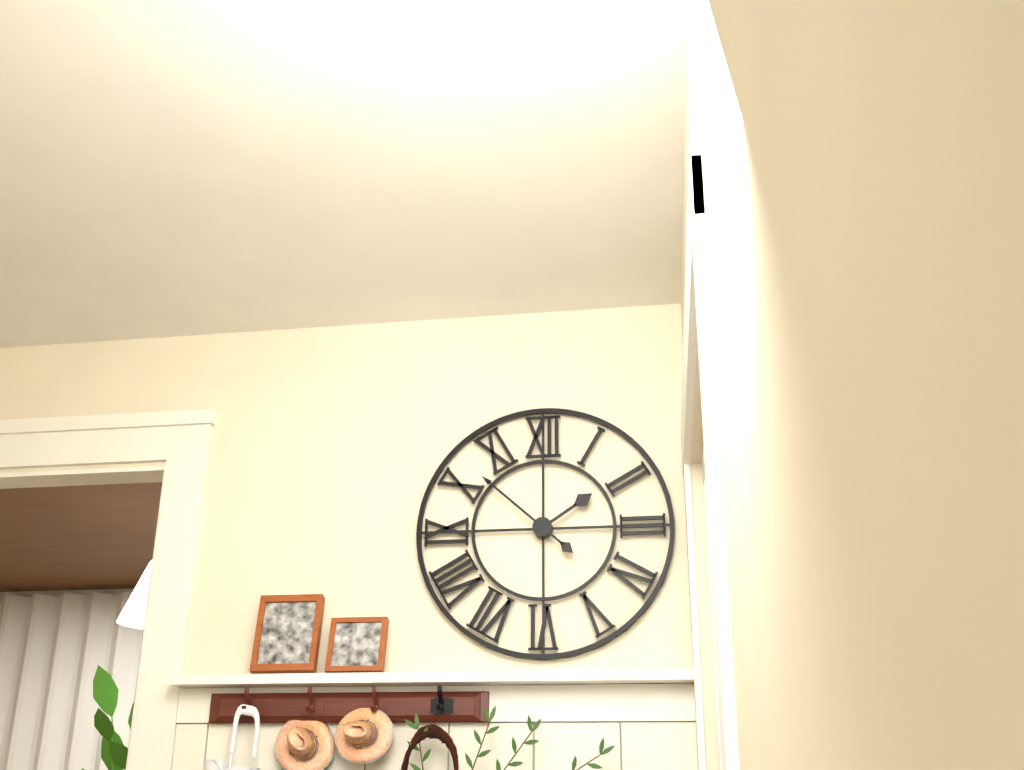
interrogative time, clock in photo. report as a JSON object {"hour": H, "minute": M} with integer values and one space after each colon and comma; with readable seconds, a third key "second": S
{"hour": 1, "minute": 52}
